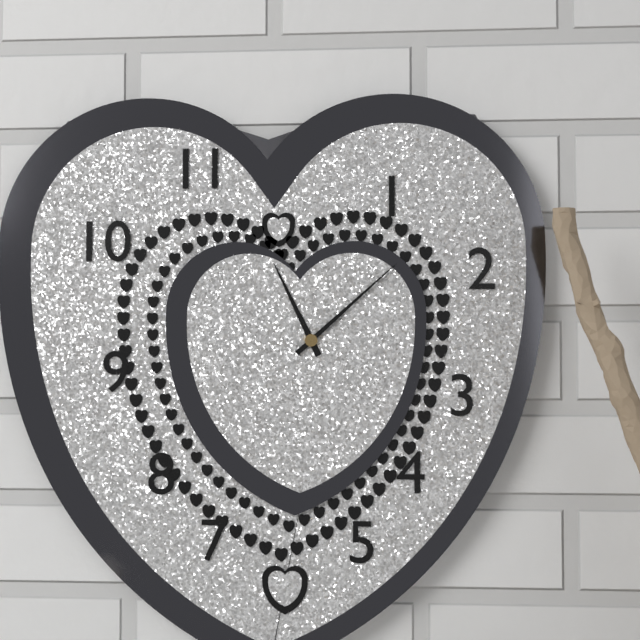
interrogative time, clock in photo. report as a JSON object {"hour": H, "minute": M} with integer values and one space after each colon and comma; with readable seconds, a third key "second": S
{"hour": 11, "minute": 8}
